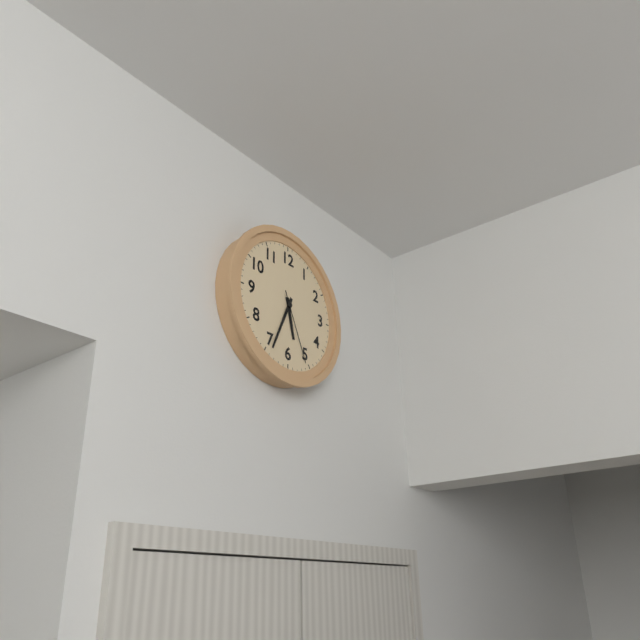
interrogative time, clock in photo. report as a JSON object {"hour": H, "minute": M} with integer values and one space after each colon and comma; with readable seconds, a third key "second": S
{"hour": 5, "minute": 34, "second": 26}
